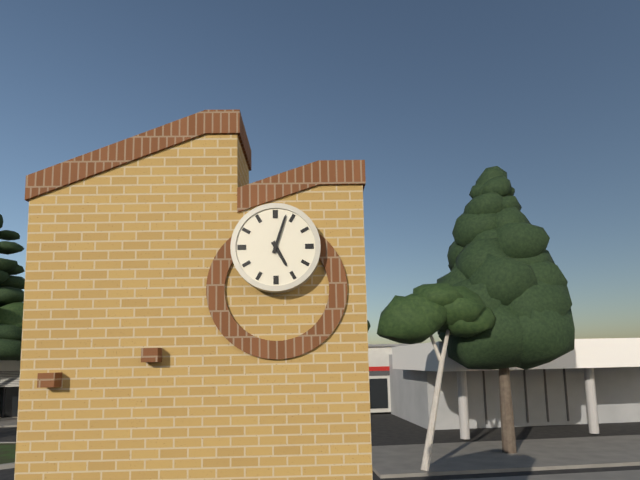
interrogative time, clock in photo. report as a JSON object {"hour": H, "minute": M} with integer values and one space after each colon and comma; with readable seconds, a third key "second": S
{"hour": 5, "minute": 3}
